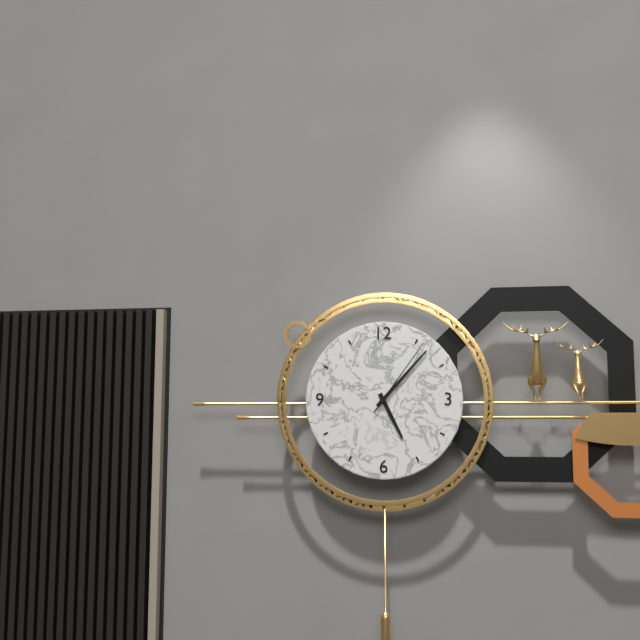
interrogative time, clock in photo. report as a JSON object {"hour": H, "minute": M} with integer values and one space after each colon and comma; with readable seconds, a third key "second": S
{"hour": 5, "minute": 7, "second": 6}
